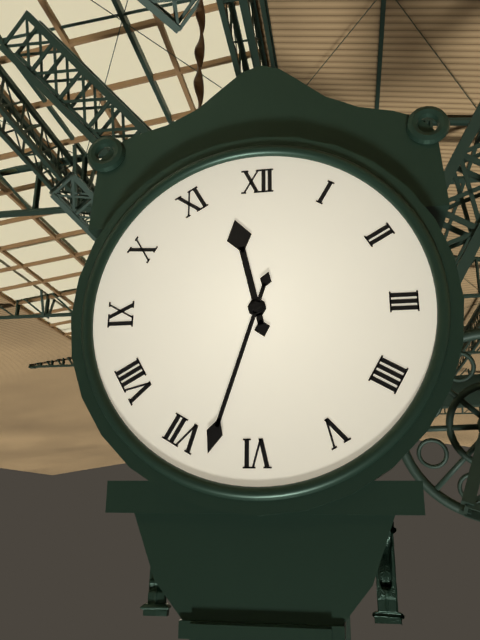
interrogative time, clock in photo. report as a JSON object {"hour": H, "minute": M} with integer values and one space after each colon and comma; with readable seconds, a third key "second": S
{"hour": 11, "minute": 33}
